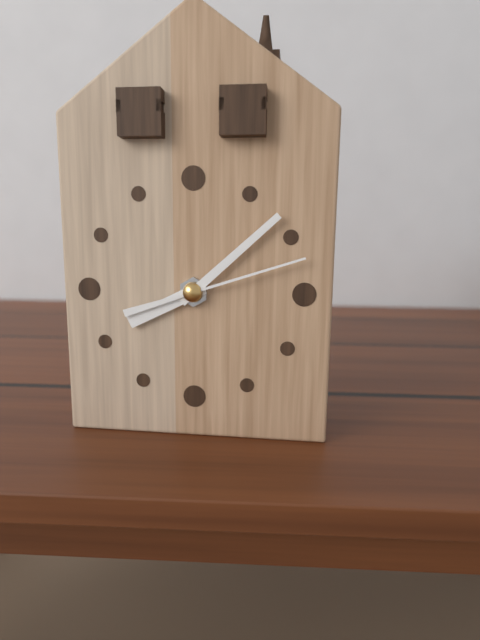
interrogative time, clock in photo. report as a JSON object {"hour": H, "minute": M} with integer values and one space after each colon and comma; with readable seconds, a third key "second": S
{"hour": 8, "minute": 8, "second": 12}
